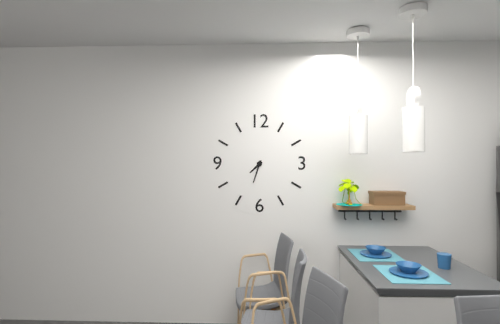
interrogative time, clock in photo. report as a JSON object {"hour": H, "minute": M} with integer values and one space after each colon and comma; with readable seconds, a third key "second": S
{"hour": 7, "minute": 33}
